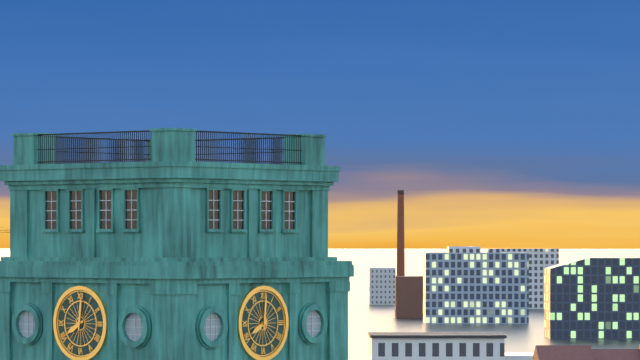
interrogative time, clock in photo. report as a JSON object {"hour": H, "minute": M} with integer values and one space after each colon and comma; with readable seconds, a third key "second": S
{"hour": 8, "minute": 1}
